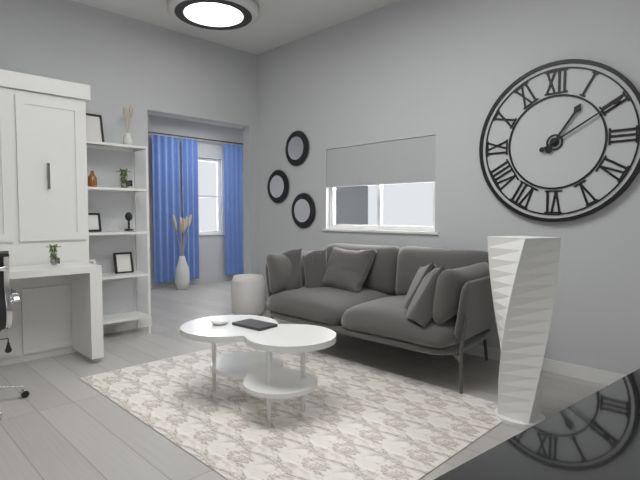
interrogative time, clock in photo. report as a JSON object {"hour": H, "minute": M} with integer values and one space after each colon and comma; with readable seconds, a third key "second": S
{"hour": 1, "minute": 10}
